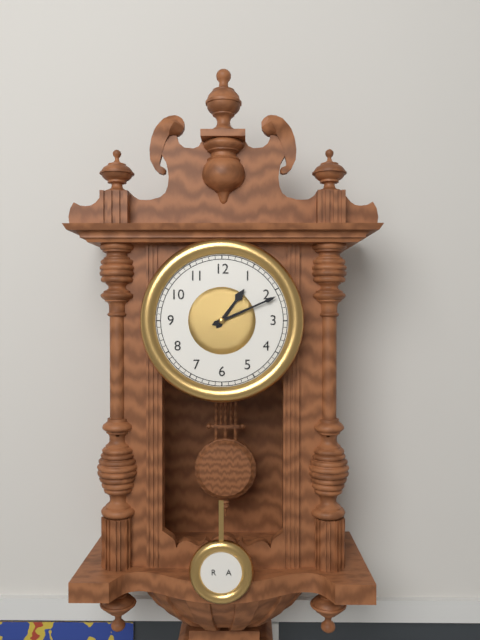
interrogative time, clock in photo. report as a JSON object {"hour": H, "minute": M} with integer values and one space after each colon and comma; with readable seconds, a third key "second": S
{"hour": 1, "minute": 11}
